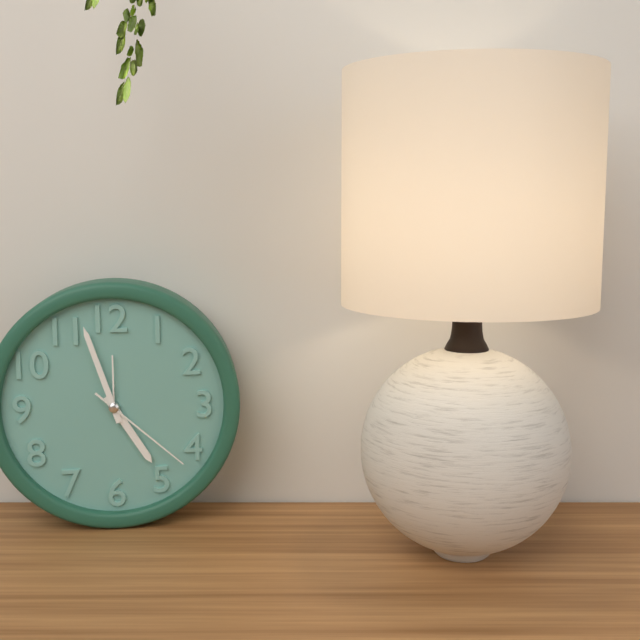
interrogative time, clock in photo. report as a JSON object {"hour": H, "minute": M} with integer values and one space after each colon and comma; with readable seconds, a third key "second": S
{"hour": 4, "minute": 57, "second": 22}
